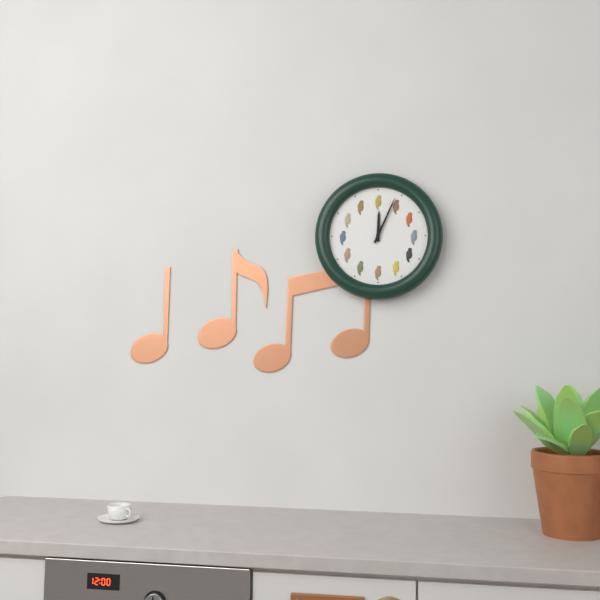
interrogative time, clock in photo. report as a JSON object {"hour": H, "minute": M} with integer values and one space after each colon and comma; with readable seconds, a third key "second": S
{"hour": 12, "minute": 4}
